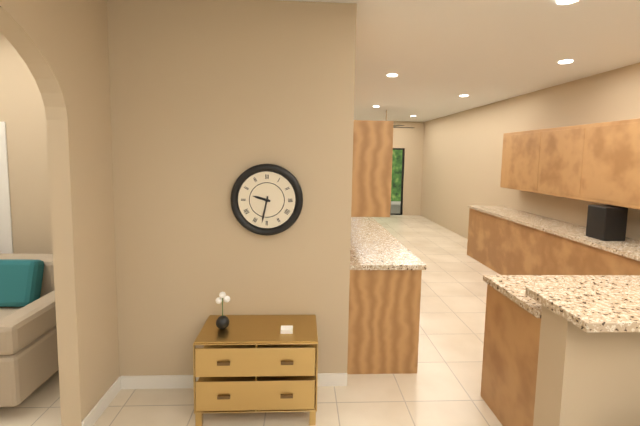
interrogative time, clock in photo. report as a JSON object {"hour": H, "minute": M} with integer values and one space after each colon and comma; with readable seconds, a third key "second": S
{"hour": 9, "minute": 32}
